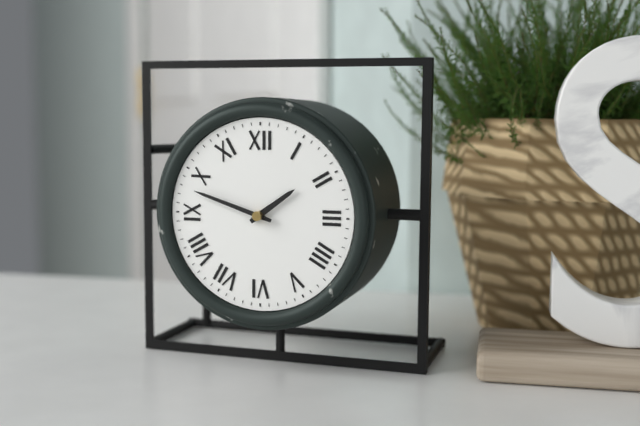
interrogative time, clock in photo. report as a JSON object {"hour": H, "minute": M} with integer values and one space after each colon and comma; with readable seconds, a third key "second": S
{"hour": 1, "minute": 48}
